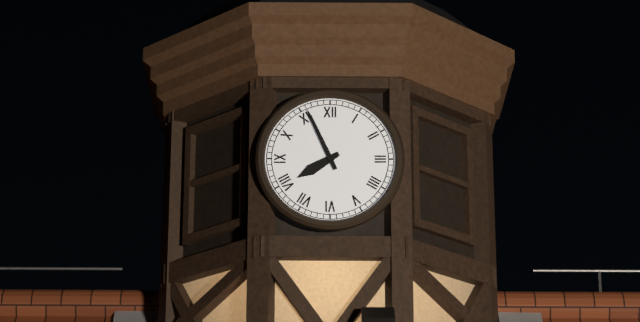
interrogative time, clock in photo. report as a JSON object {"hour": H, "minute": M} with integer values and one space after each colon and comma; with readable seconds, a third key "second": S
{"hour": 7, "minute": 56}
